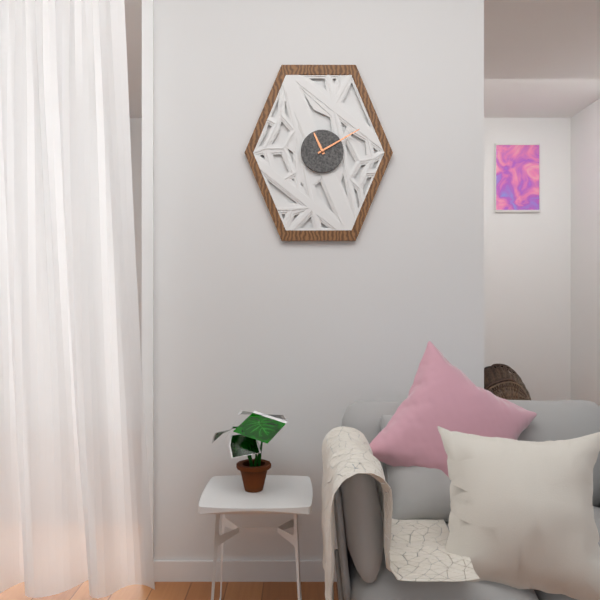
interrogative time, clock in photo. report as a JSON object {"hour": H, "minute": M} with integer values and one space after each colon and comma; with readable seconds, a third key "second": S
{"hour": 11, "minute": 10}
